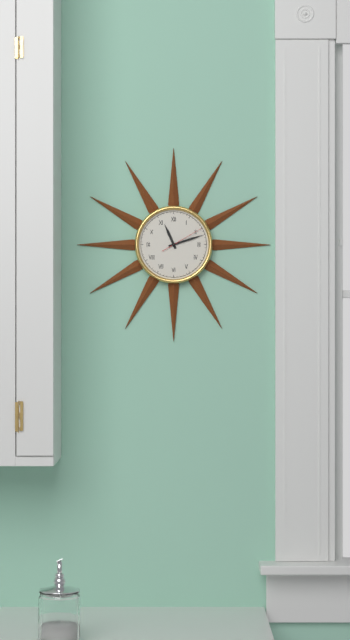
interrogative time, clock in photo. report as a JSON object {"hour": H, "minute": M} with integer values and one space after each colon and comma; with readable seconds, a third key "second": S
{"hour": 11, "minute": 12}
